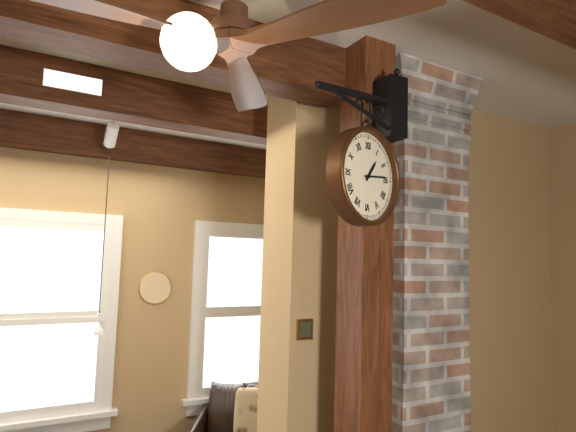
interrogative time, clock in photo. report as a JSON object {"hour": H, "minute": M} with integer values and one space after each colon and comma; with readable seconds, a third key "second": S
{"hour": 1, "minute": 14}
